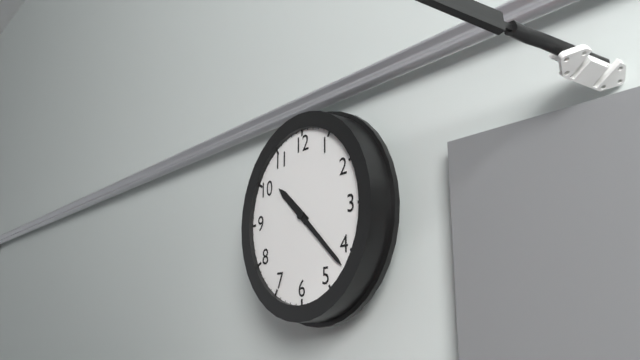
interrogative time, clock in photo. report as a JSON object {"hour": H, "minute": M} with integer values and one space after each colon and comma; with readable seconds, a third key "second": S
{"hour": 10, "minute": 22}
